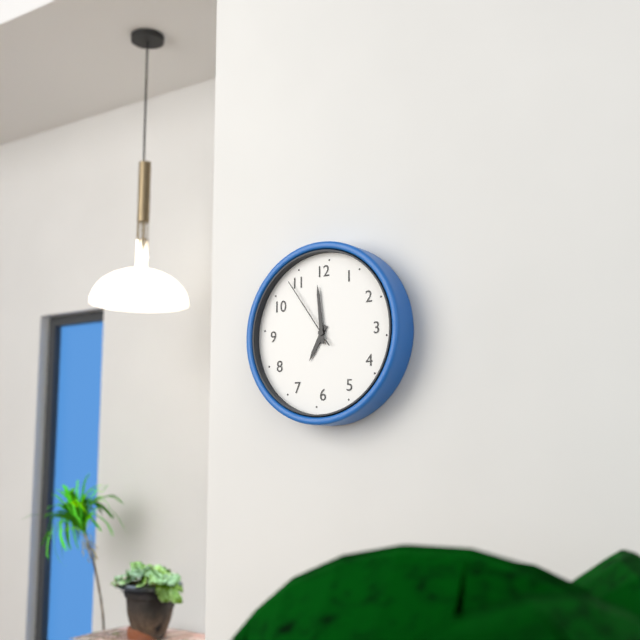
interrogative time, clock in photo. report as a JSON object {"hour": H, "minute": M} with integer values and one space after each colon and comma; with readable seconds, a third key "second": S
{"hour": 6, "minute": 59, "second": 54}
